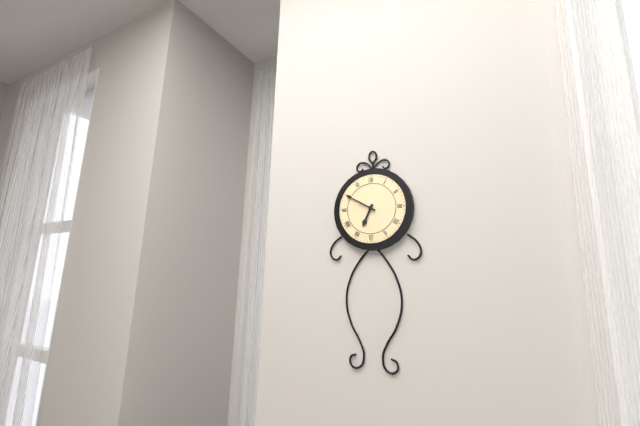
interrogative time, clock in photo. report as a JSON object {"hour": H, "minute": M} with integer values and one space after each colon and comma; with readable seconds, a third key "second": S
{"hour": 6, "minute": 50}
